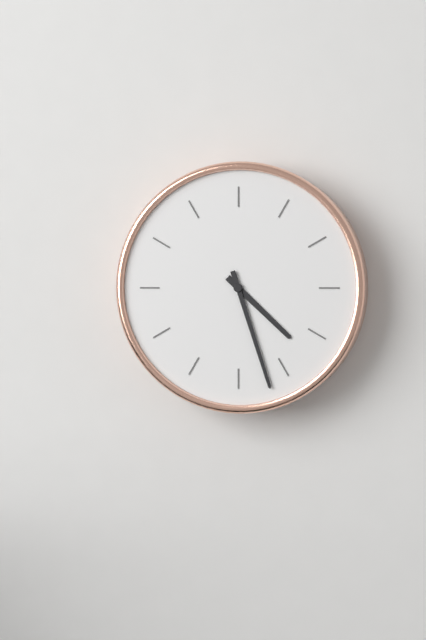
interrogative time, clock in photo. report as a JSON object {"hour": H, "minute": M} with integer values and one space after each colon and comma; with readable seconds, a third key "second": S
{"hour": 4, "minute": 27}
